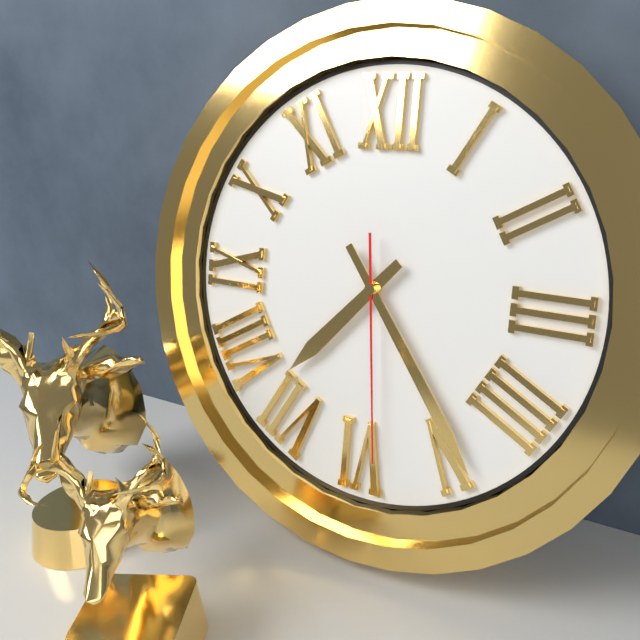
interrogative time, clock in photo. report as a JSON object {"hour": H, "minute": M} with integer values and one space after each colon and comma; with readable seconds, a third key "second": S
{"hour": 7, "minute": 24, "second": 29}
